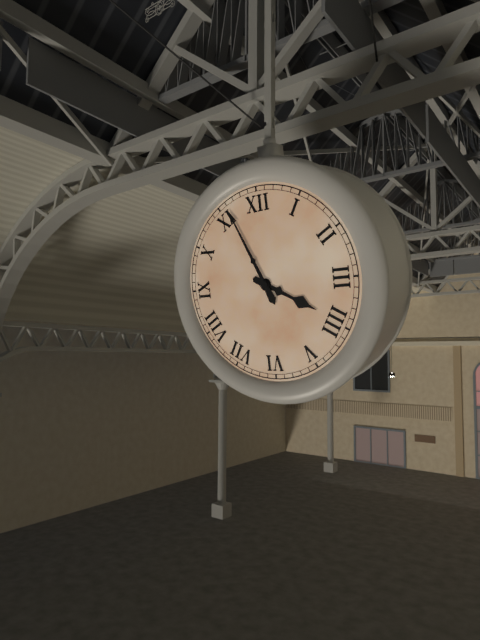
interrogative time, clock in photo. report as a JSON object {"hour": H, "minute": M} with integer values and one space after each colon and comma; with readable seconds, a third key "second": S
{"hour": 3, "minute": 56}
